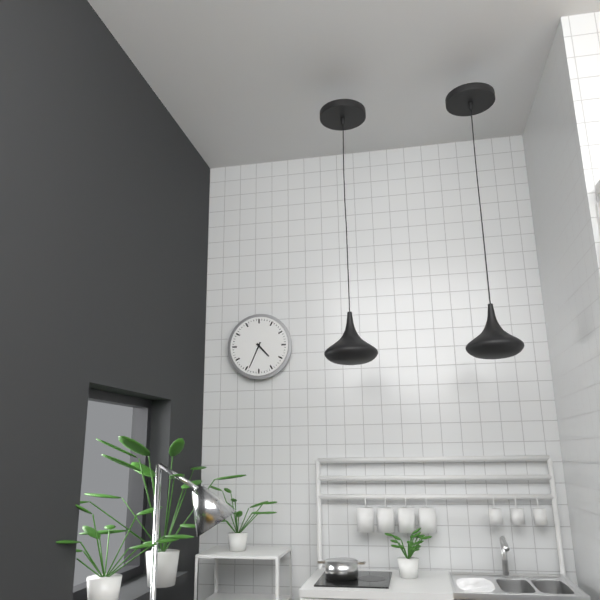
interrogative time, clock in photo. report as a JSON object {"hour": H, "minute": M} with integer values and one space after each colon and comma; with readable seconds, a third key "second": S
{"hour": 4, "minute": 34}
